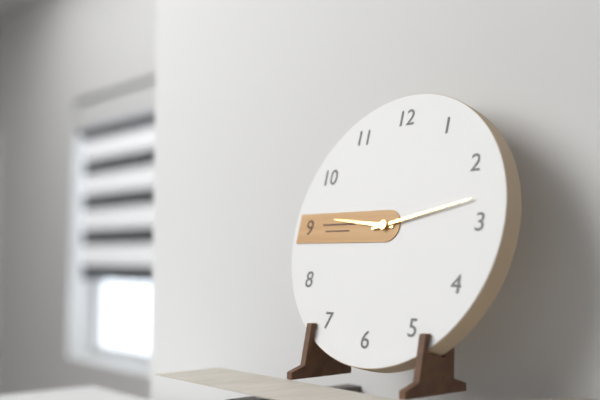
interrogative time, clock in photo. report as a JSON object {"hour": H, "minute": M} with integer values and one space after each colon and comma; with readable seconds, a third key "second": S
{"hour": 9, "minute": 13}
